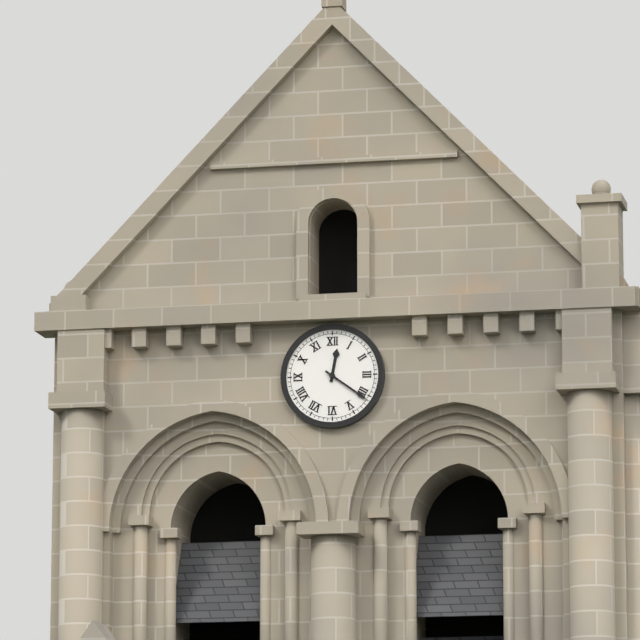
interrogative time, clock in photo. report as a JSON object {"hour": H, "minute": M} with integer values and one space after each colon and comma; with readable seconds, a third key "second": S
{"hour": 12, "minute": 21}
